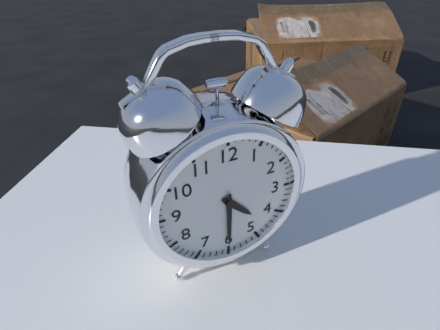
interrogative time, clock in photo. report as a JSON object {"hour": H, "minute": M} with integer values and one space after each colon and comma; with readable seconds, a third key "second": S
{"hour": 4, "minute": 30}
